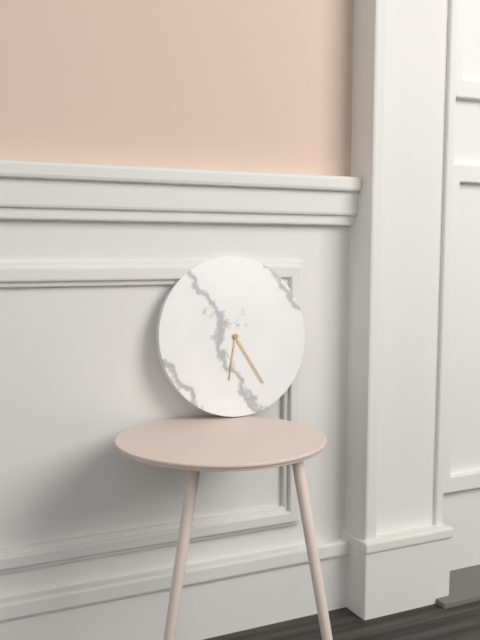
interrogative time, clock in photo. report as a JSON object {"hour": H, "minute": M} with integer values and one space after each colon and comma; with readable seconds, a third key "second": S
{"hour": 6, "minute": 25}
